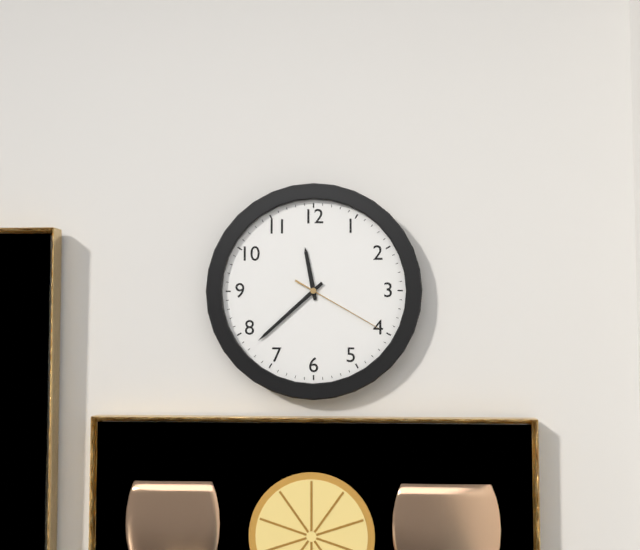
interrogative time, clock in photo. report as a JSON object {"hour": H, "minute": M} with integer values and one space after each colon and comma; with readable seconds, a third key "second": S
{"hour": 11, "minute": 38, "second": 20}
